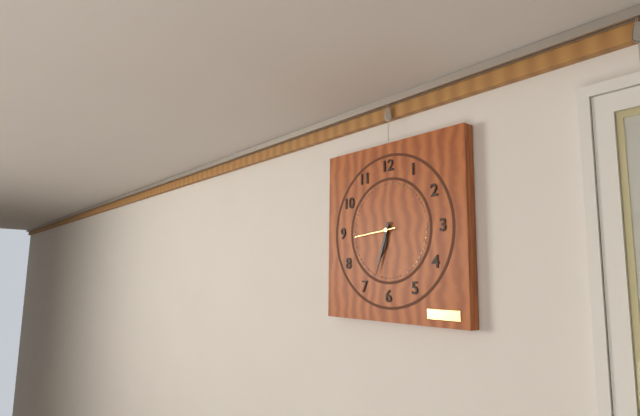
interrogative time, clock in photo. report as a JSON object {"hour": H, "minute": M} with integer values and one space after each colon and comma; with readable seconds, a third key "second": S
{"hour": 6, "minute": 33}
